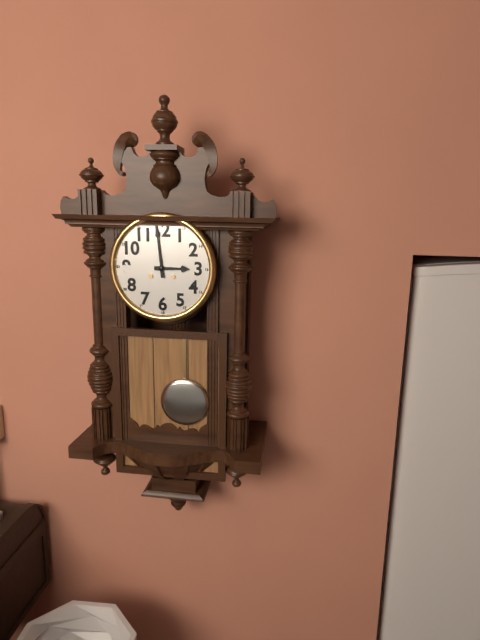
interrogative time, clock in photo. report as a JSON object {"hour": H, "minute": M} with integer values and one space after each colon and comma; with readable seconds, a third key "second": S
{"hour": 2, "minute": 59}
